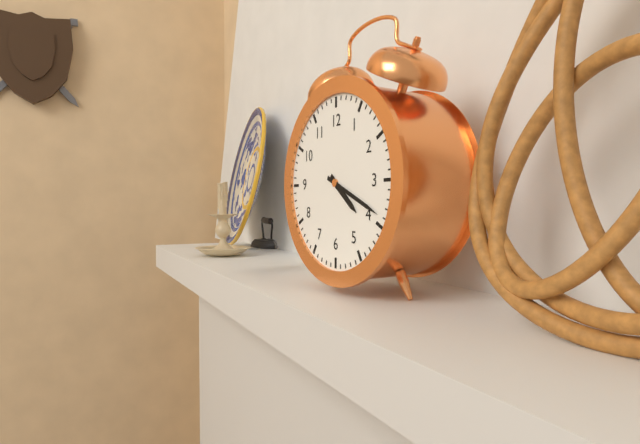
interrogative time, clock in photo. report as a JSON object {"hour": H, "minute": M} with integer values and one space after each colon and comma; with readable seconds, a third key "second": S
{"hour": 4, "minute": 19}
